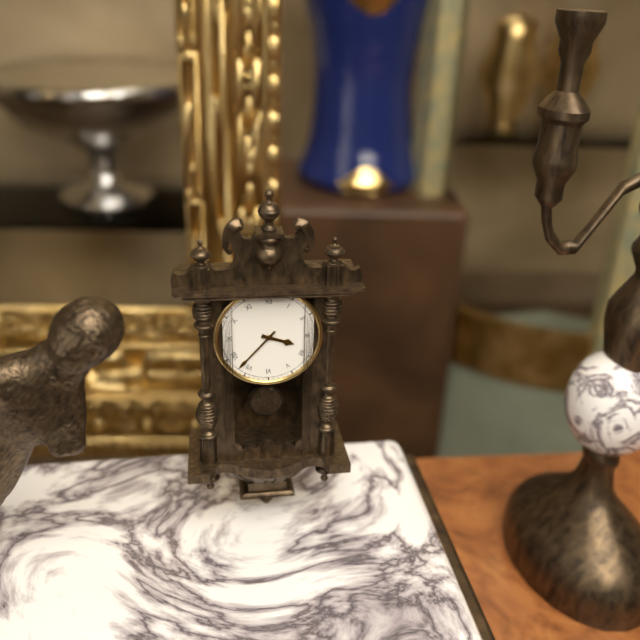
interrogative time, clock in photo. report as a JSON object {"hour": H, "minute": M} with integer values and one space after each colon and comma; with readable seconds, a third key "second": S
{"hour": 3, "minute": 37}
